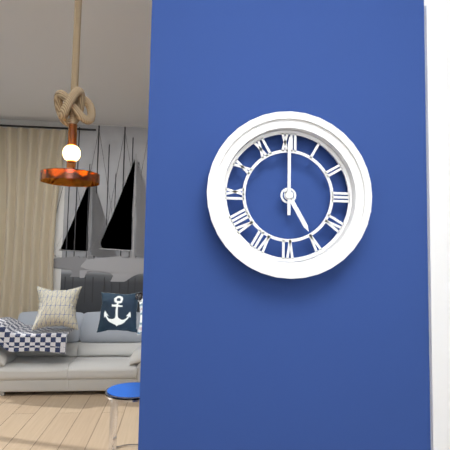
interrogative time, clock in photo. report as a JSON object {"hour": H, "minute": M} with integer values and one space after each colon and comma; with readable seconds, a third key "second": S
{"hour": 5, "minute": 0}
